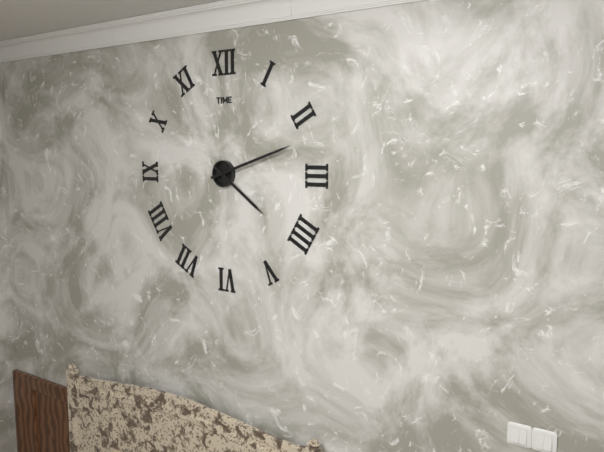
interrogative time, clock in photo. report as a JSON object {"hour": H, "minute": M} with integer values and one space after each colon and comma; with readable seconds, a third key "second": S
{"hour": 4, "minute": 12}
